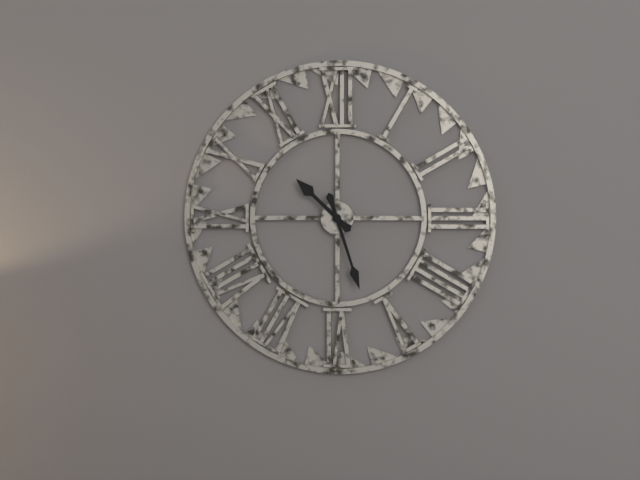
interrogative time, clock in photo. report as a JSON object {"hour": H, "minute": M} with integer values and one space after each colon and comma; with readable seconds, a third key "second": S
{"hour": 10, "minute": 27}
